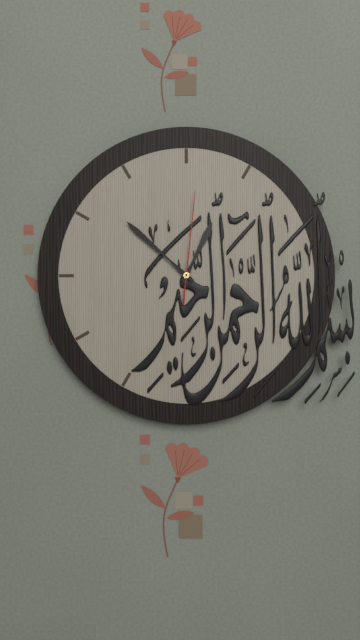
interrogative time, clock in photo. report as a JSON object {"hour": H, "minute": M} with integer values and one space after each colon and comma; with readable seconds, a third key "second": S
{"hour": 12, "minute": 52, "second": 1}
